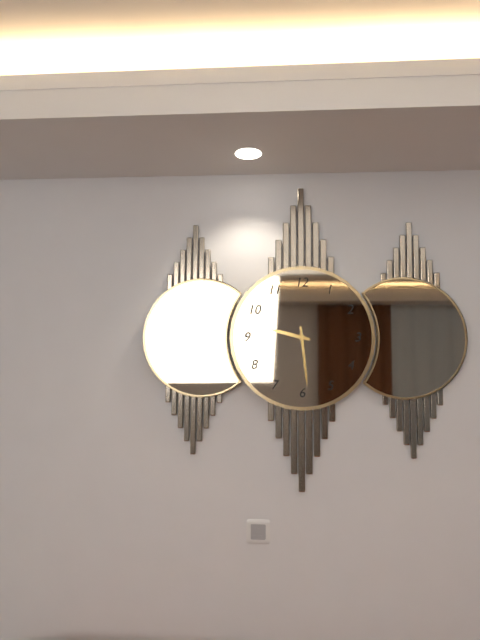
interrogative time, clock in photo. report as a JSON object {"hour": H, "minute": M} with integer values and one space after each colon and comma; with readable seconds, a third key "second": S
{"hour": 9, "minute": 29}
